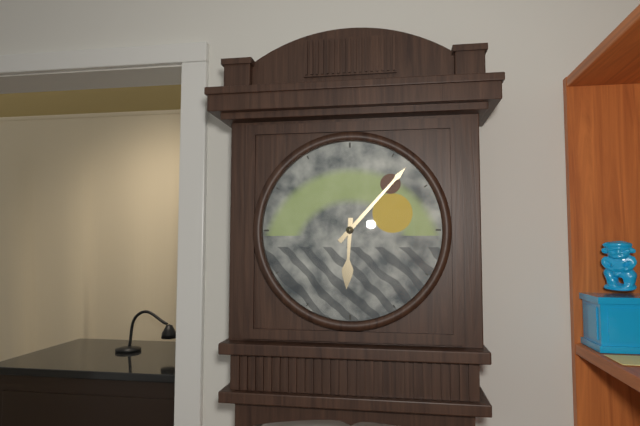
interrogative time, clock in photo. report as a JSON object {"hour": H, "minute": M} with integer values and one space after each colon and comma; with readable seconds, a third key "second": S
{"hour": 6, "minute": 7}
